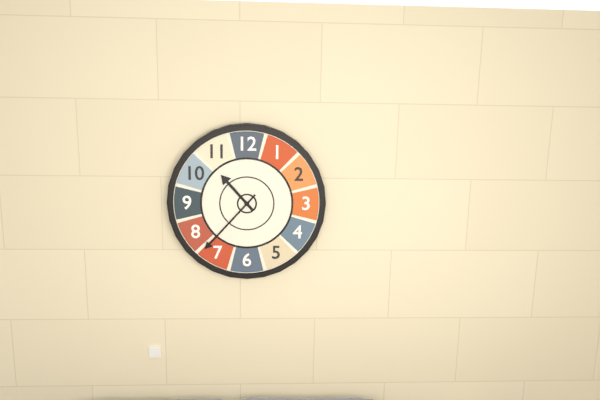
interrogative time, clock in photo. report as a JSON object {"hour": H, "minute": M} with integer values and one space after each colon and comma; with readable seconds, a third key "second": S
{"hour": 10, "minute": 37}
